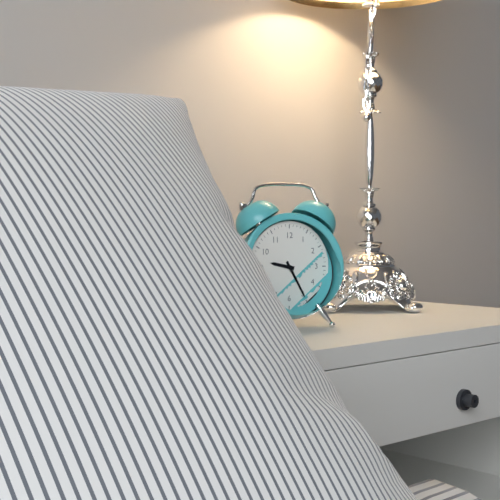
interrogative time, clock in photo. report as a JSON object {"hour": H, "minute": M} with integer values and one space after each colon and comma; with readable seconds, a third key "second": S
{"hour": 9, "minute": 25}
